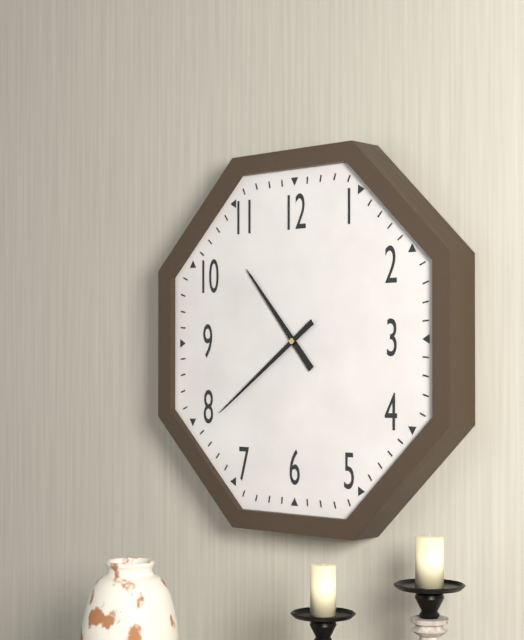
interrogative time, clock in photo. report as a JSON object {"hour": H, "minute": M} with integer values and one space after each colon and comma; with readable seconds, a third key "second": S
{"hour": 10, "minute": 39}
